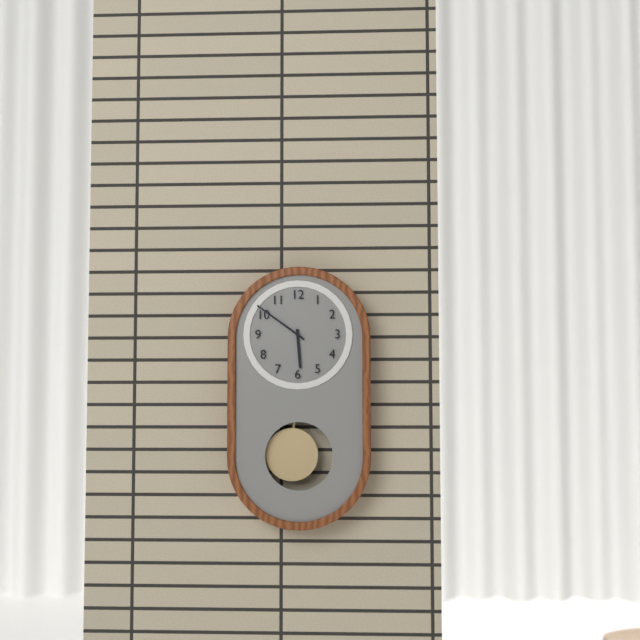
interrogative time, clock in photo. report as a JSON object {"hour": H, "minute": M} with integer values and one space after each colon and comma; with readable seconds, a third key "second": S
{"hour": 5, "minute": 51}
